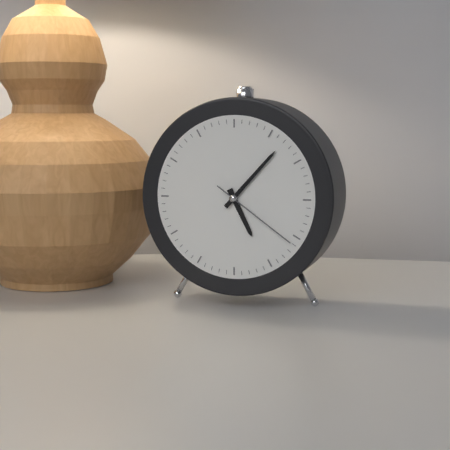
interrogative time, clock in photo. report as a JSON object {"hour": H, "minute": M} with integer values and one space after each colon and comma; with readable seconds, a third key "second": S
{"hour": 5, "minute": 7, "second": 21}
